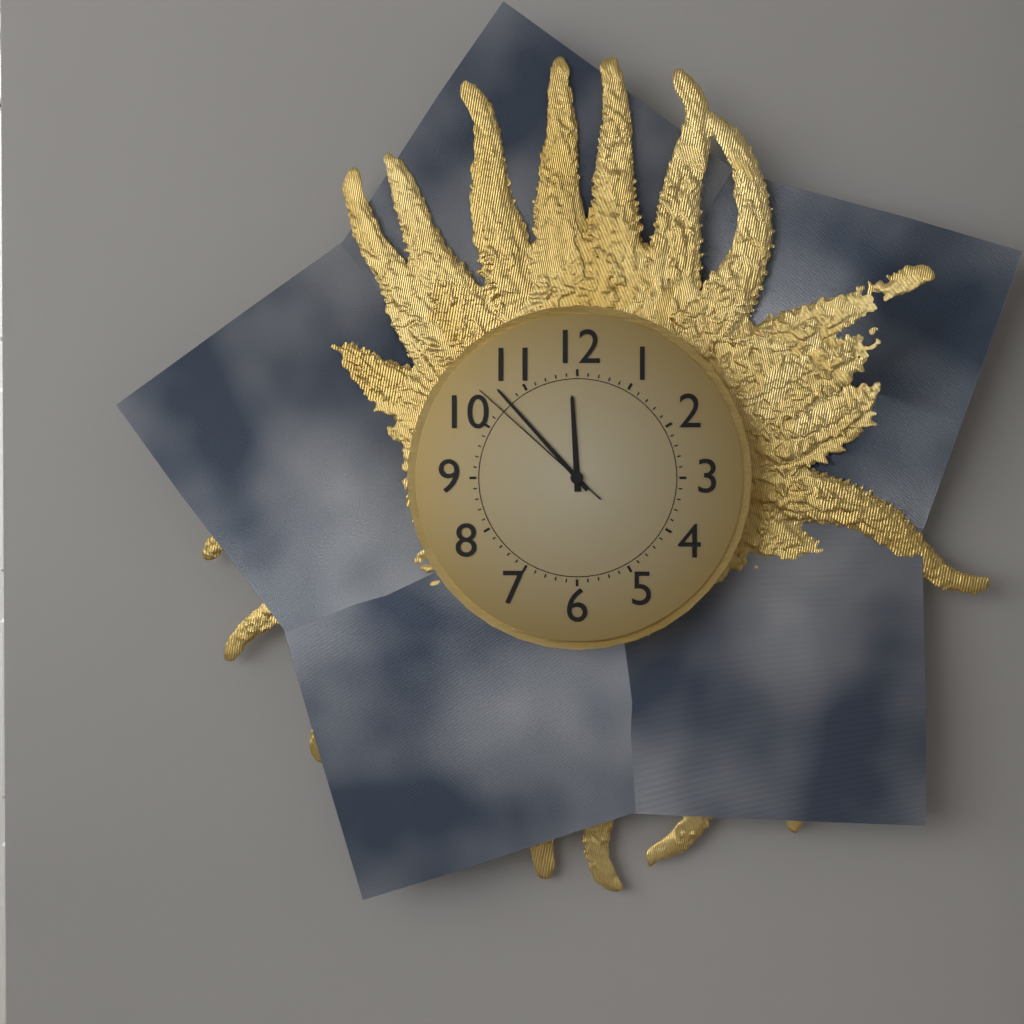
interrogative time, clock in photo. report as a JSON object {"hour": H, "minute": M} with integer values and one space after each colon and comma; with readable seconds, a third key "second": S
{"hour": 11, "minute": 53, "second": 52}
